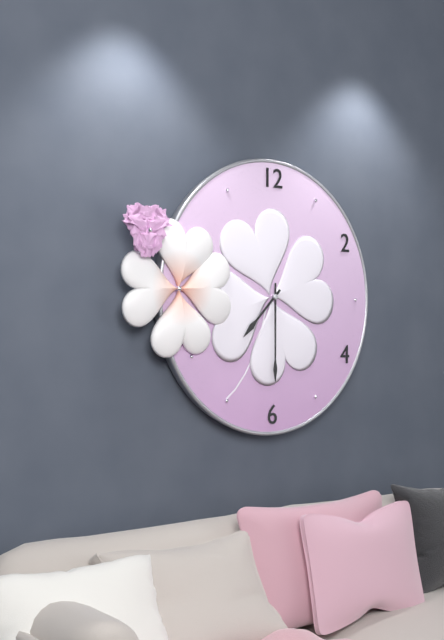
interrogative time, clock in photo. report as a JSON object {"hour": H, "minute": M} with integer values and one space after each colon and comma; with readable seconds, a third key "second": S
{"hour": 7, "minute": 30}
